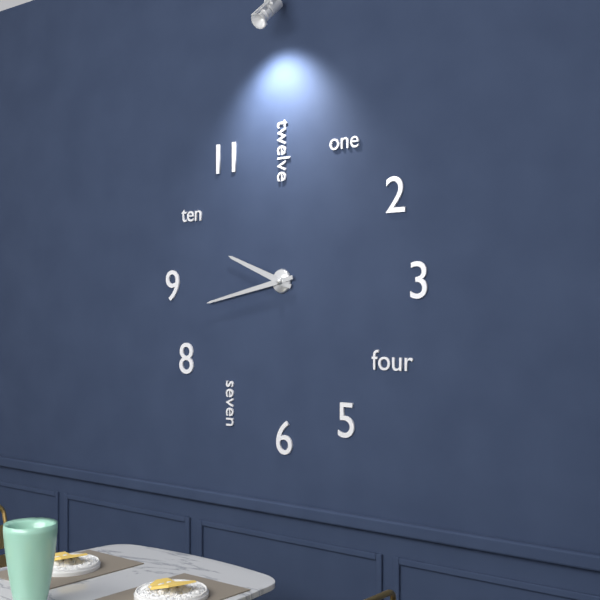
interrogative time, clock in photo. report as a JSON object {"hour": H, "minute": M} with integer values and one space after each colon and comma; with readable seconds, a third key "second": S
{"hour": 9, "minute": 43}
